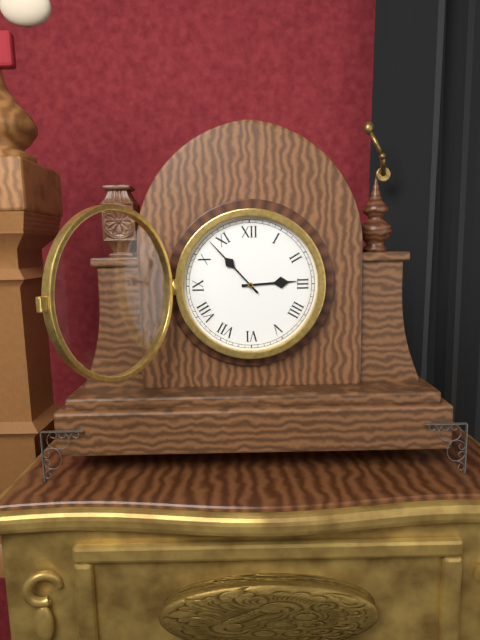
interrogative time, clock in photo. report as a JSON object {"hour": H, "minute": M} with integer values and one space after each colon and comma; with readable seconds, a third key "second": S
{"hour": 2, "minute": 53}
